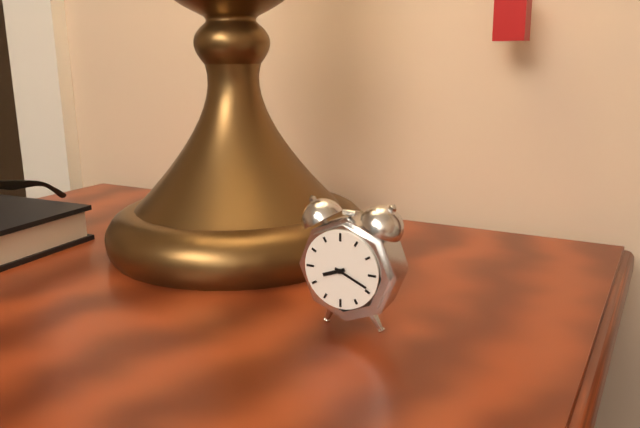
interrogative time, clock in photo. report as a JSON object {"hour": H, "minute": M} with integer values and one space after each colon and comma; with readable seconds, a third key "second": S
{"hour": 8, "minute": 19}
